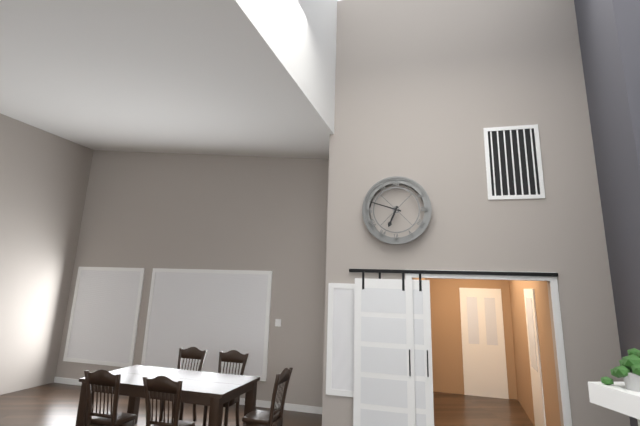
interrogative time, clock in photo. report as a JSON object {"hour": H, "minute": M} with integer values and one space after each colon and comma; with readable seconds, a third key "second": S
{"hour": 6, "minute": 48}
